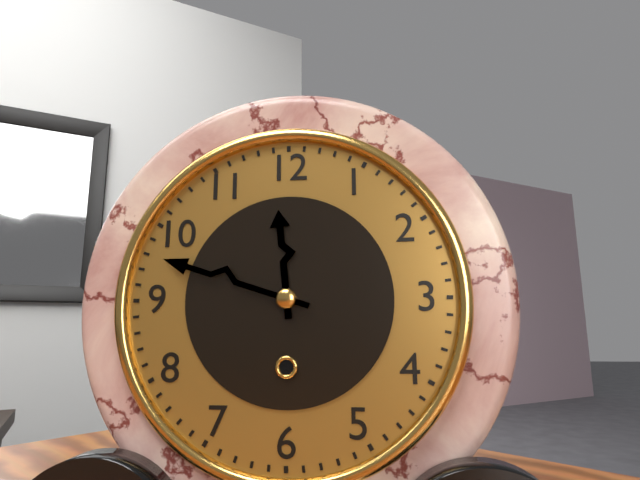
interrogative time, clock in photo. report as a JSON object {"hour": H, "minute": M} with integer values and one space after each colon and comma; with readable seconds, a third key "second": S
{"hour": 11, "minute": 48}
